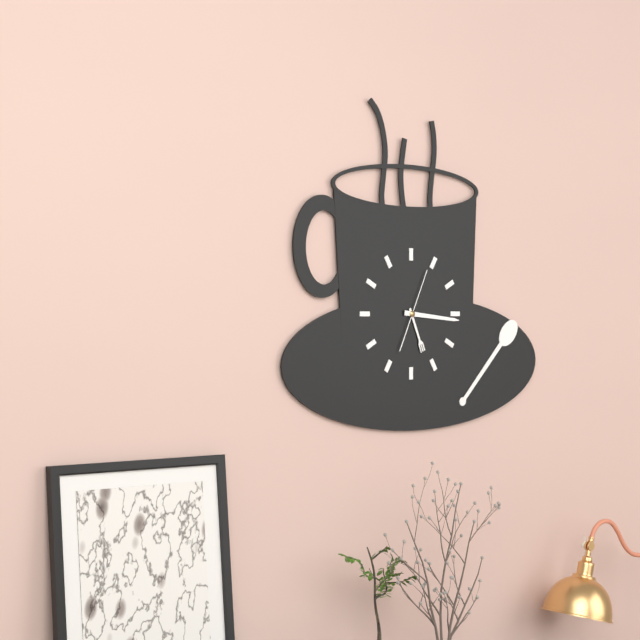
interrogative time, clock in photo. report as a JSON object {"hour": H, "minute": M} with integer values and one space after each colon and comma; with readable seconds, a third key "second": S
{"hour": 5, "minute": 16, "second": 4}
